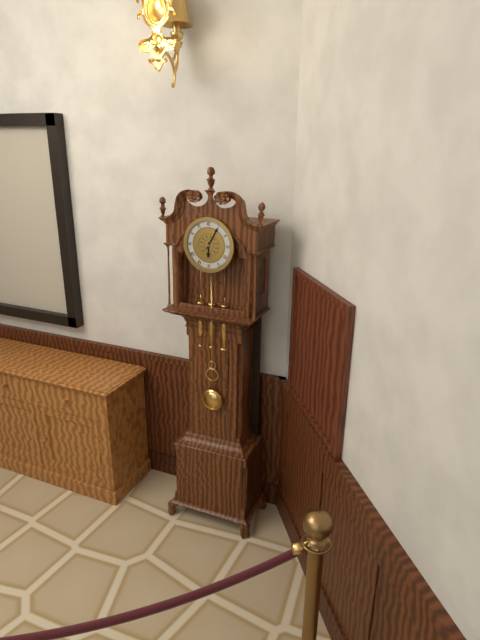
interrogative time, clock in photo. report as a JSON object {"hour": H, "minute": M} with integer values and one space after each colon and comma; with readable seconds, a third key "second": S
{"hour": 6, "minute": 5}
